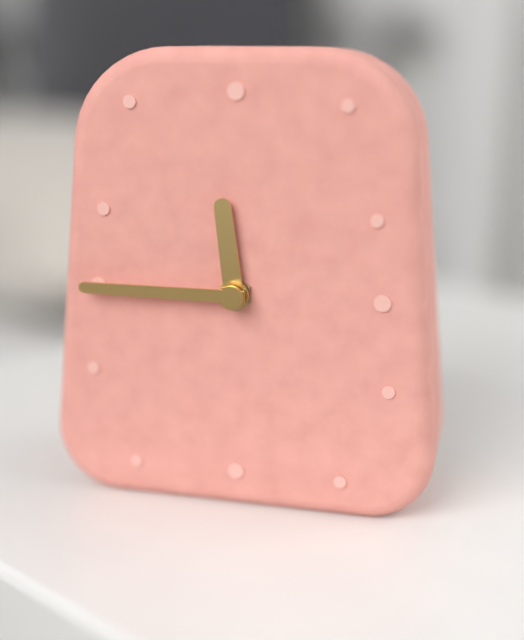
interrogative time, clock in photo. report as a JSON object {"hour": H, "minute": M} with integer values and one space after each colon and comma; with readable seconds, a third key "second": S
{"hour": 11, "minute": 45}
